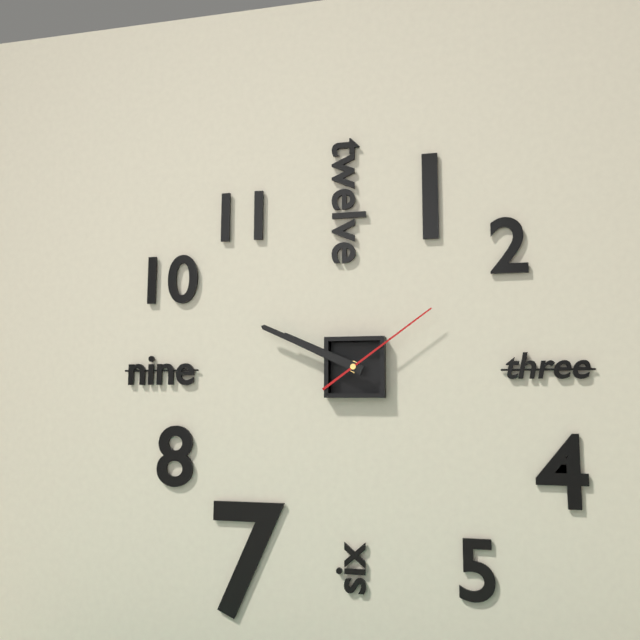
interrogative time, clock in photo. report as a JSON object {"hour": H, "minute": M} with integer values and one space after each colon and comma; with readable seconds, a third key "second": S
{"hour": 9, "minute": 49, "second": 9}
